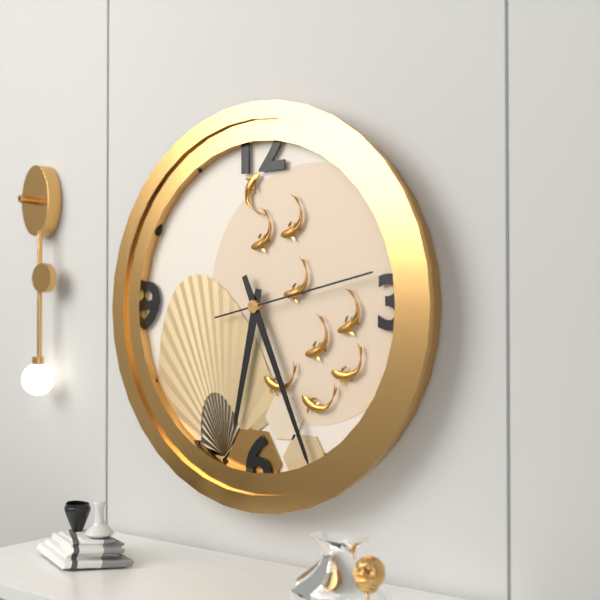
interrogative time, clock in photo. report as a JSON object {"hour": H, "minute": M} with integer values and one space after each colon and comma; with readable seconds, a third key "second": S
{"hour": 6, "minute": 26, "second": 13}
